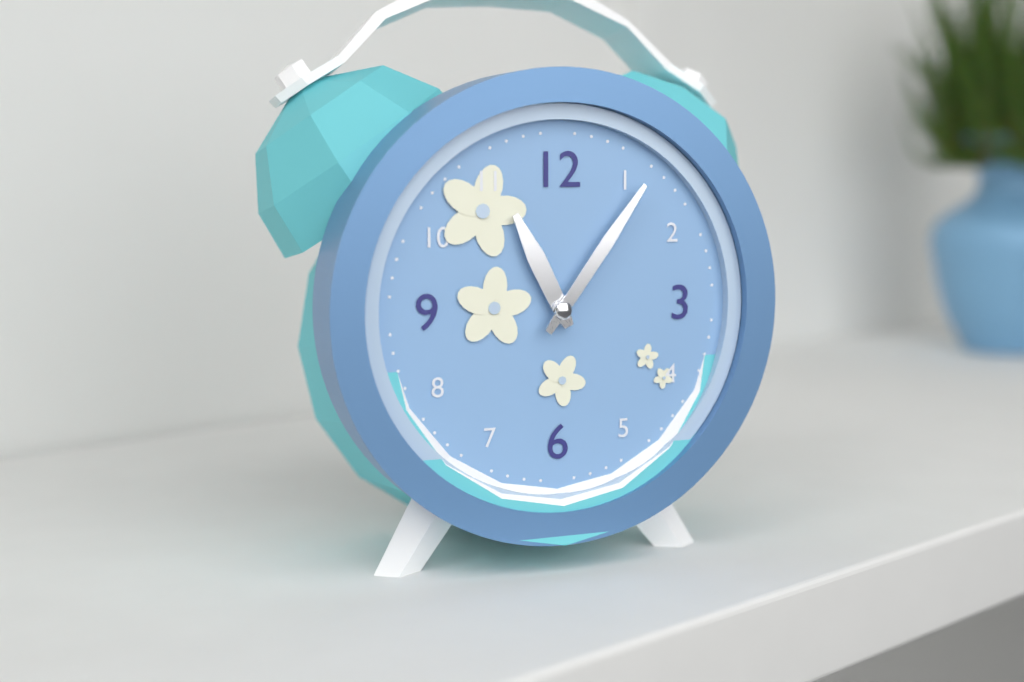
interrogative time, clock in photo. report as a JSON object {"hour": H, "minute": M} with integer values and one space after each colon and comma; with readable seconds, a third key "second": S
{"hour": 11, "minute": 6}
